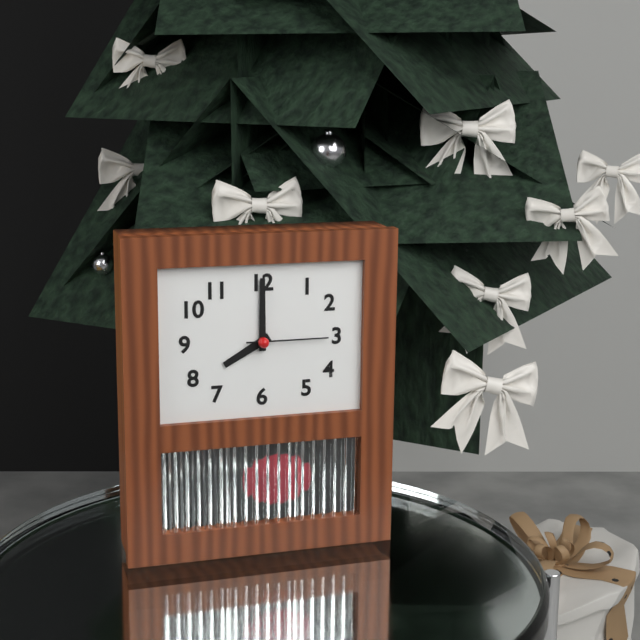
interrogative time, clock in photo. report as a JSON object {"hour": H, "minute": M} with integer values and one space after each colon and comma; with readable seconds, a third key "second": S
{"hour": 8, "minute": 0, "second": 15}
